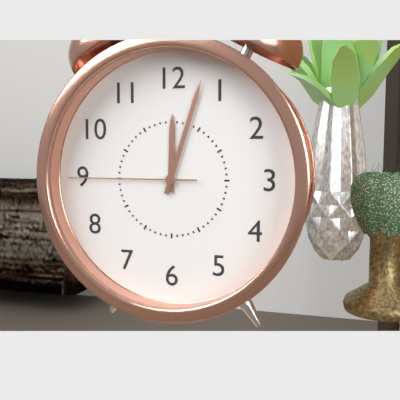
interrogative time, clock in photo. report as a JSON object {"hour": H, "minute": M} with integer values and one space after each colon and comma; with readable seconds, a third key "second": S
{"hour": 12, "minute": 3, "second": 45}
